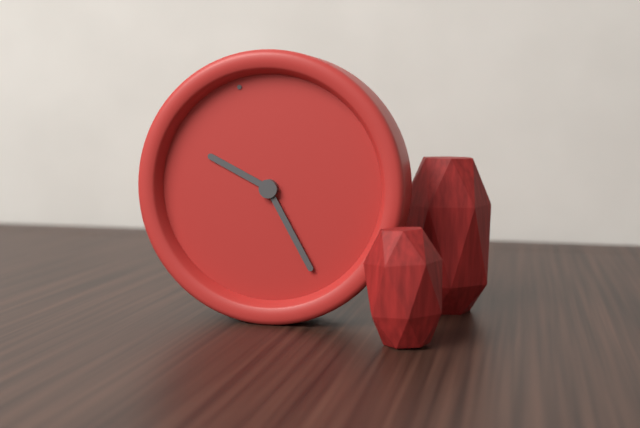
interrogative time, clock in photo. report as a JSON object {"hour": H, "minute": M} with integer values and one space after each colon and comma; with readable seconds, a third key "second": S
{"hour": 10, "minute": 28}
